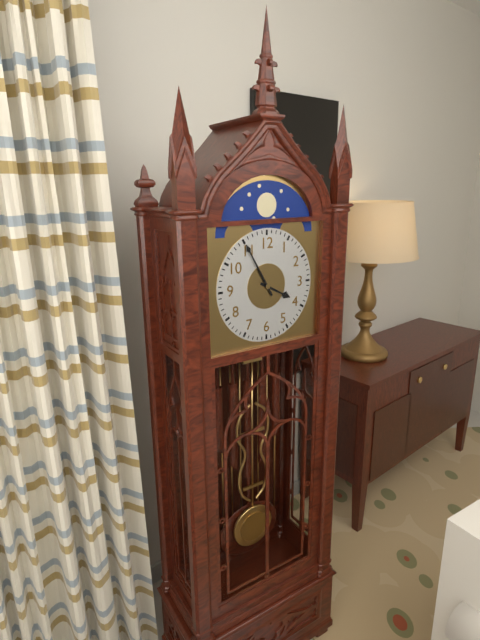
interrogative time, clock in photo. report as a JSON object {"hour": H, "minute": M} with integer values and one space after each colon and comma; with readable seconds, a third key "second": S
{"hour": 3, "minute": 55}
